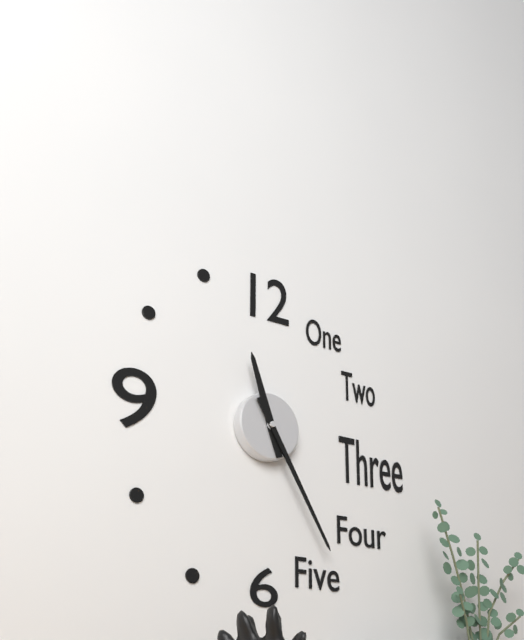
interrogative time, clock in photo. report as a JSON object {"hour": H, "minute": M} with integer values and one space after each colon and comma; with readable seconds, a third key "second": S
{"hour": 11, "minute": 25}
